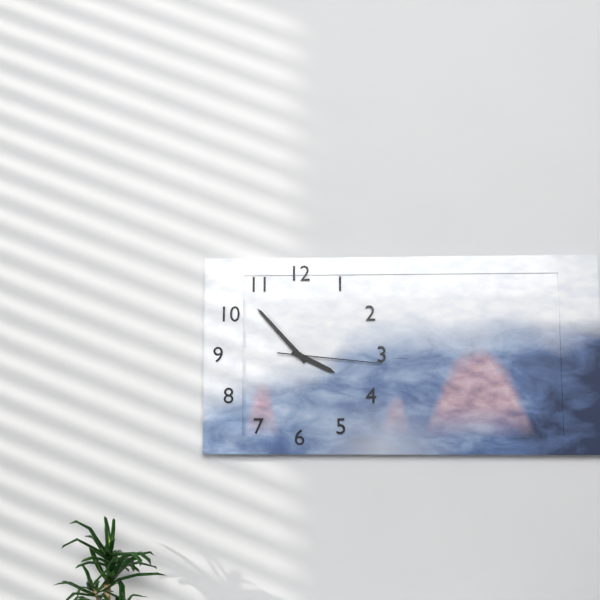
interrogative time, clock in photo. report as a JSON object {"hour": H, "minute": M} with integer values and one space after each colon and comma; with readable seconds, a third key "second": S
{"hour": 3, "minute": 53, "second": 16}
